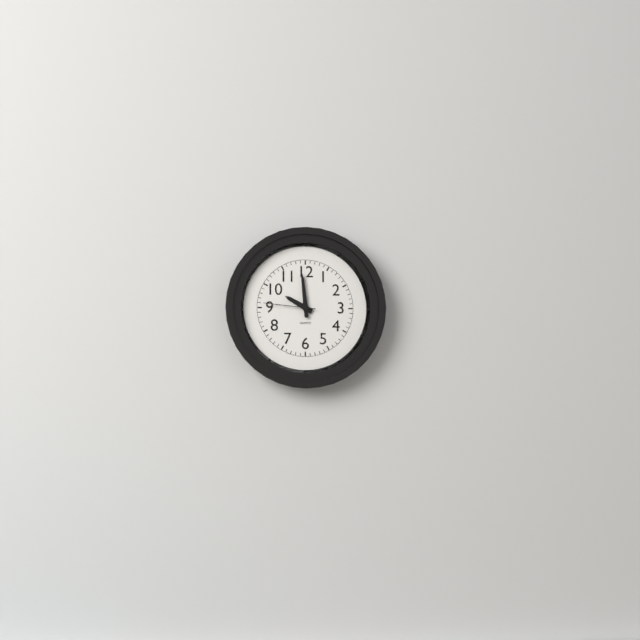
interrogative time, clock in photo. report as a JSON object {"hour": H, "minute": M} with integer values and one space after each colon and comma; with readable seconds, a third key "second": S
{"hour": 9, "minute": 59, "second": 46}
